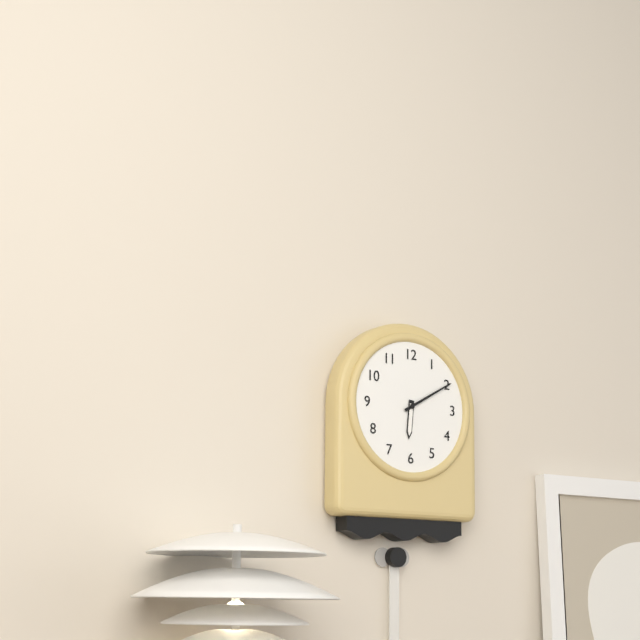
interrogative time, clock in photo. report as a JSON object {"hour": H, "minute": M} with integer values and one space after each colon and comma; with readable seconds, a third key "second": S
{"hour": 6, "minute": 10}
